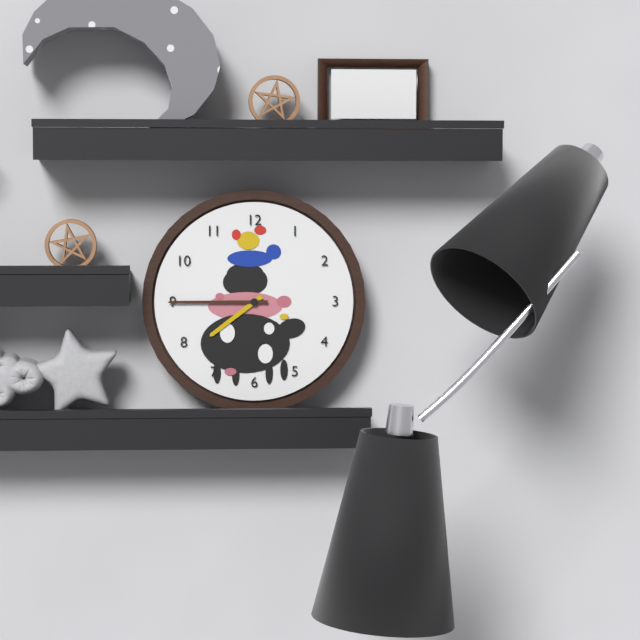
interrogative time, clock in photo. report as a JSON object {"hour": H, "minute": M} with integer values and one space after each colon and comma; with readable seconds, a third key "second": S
{"hour": 7, "minute": 45}
